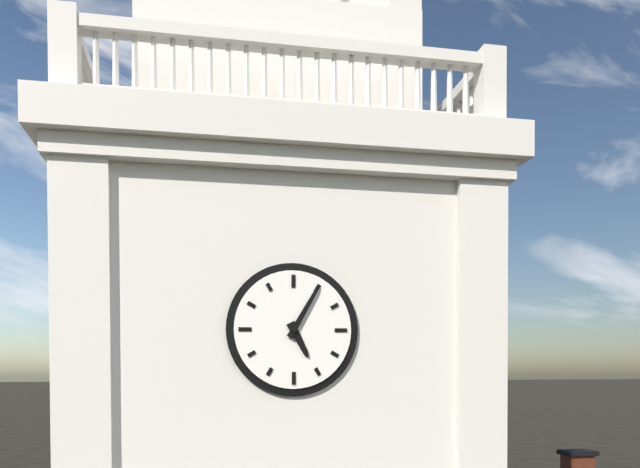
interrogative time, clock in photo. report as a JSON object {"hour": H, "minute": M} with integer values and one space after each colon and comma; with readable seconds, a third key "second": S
{"hour": 5, "minute": 5}
